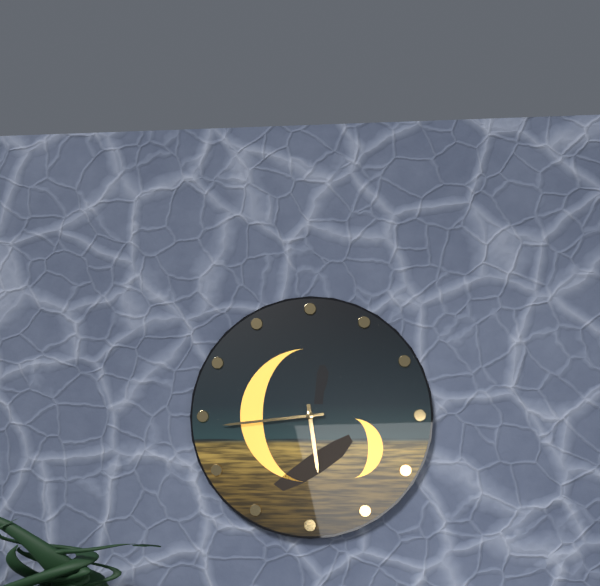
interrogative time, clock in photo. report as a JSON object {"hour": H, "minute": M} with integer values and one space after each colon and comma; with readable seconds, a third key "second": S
{"hour": 5, "minute": 44}
